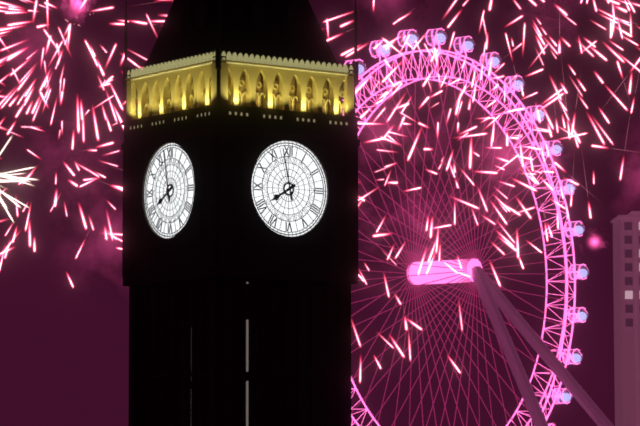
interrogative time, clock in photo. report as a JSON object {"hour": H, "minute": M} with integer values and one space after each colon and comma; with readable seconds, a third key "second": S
{"hour": 7, "minute": 58}
